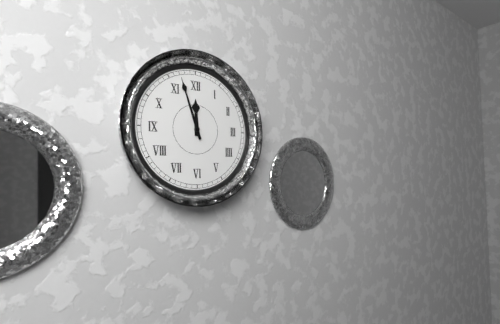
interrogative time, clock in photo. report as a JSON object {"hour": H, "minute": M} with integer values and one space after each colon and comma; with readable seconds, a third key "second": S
{"hour": 11, "minute": 57}
